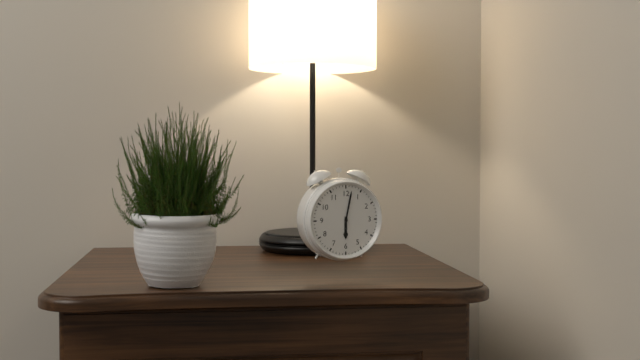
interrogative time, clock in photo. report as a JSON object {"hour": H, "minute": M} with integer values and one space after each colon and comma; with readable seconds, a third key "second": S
{"hour": 6, "minute": 2}
